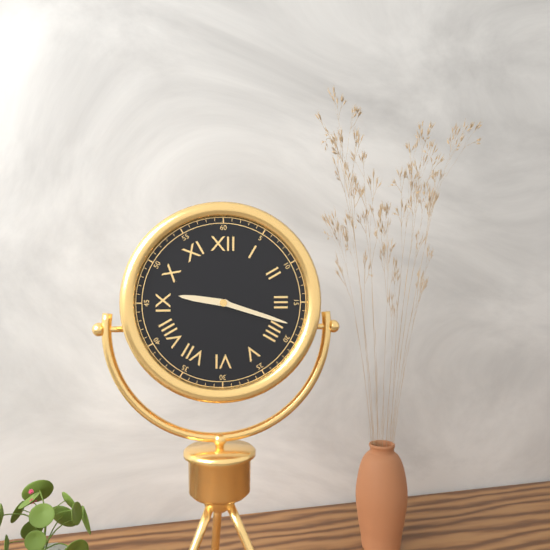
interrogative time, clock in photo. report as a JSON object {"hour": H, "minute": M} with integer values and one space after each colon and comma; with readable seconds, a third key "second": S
{"hour": 9, "minute": 18}
